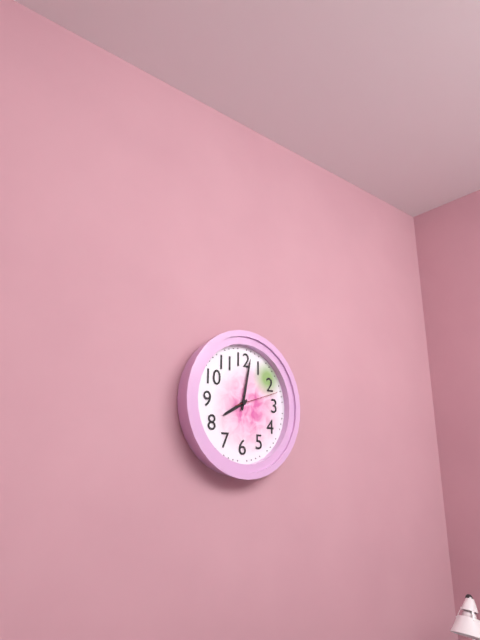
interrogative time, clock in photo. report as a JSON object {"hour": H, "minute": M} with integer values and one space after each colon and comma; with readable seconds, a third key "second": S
{"hour": 8, "minute": 2}
